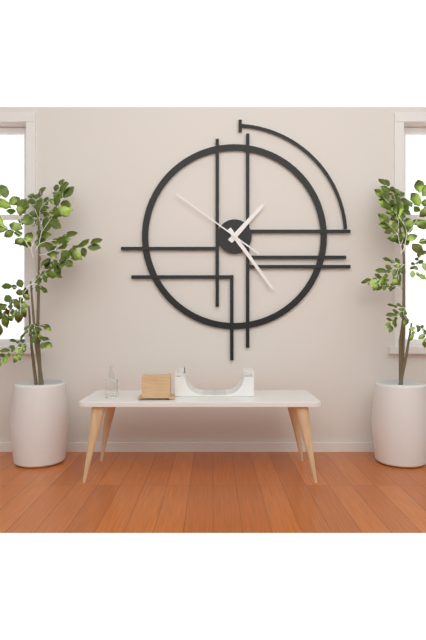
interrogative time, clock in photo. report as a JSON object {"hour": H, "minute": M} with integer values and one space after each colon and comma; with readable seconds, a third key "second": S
{"hour": 1, "minute": 24, "second": 51}
